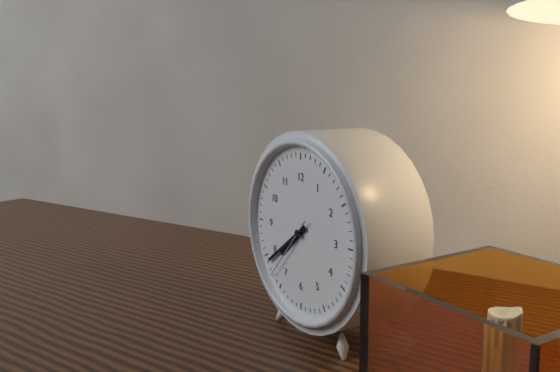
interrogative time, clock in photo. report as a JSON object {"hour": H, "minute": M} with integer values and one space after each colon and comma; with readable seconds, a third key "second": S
{"hour": 7, "minute": 39, "second": 37}
